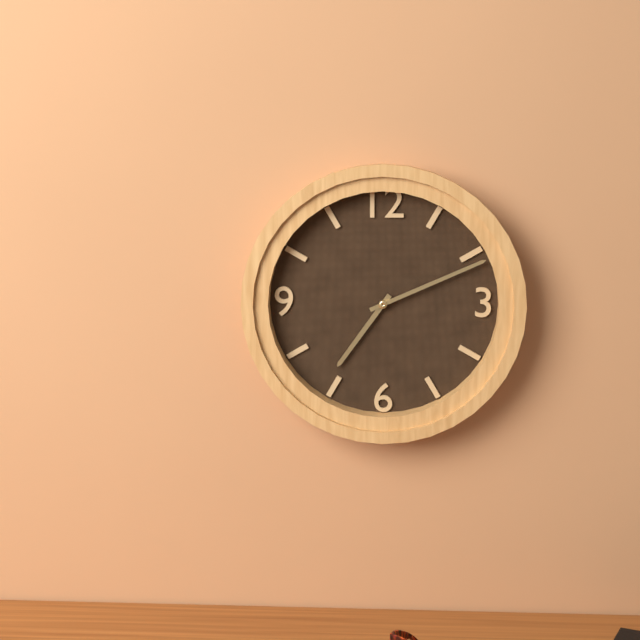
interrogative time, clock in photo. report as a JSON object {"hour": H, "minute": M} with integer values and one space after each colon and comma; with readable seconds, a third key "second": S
{"hour": 7, "minute": 11}
